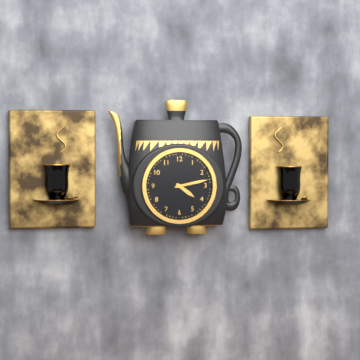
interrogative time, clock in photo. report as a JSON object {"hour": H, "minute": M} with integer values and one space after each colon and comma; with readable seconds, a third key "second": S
{"hour": 4, "minute": 13}
